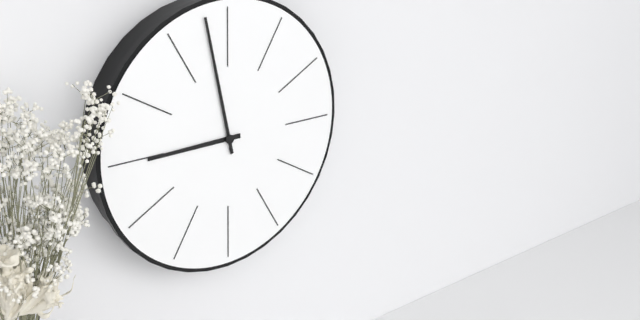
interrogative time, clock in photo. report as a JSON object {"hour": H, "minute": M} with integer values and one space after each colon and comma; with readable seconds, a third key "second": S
{"hour": 8, "minute": 58}
